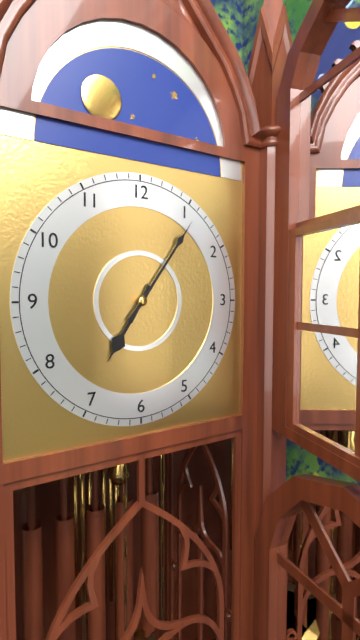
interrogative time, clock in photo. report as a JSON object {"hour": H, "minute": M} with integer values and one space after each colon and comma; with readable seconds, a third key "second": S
{"hour": 7, "minute": 6}
